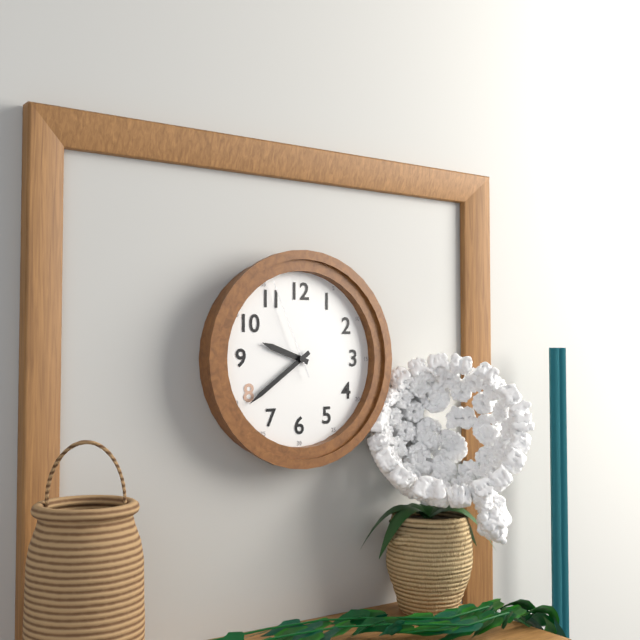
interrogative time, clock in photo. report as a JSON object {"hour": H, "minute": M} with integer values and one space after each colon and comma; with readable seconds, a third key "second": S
{"hour": 9, "minute": 39, "second": 56}
